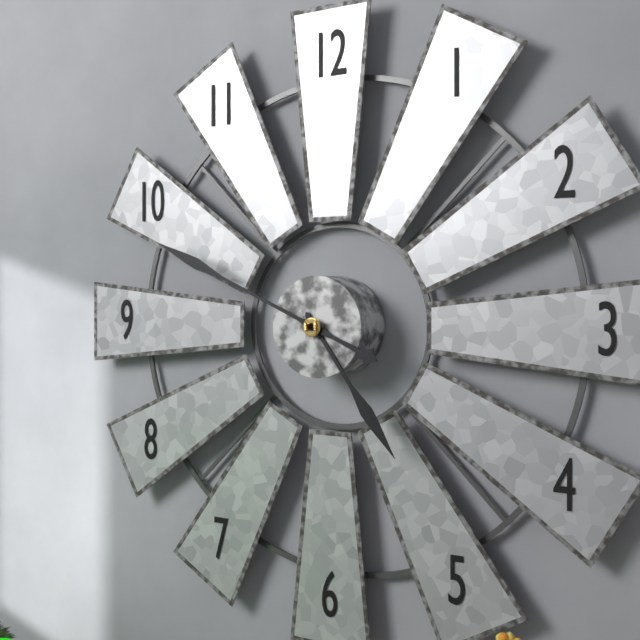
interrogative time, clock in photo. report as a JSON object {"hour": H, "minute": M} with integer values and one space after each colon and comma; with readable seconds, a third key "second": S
{"hour": 4, "minute": 49}
